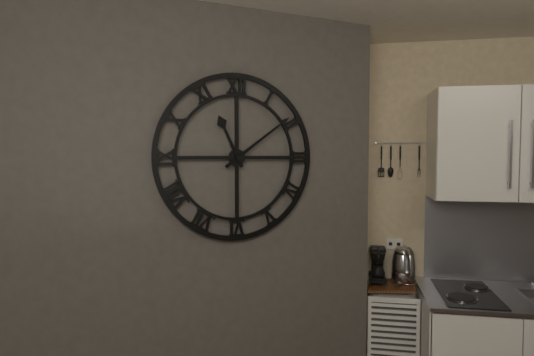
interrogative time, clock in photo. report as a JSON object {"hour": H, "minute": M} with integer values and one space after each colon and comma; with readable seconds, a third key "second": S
{"hour": 11, "minute": 9}
